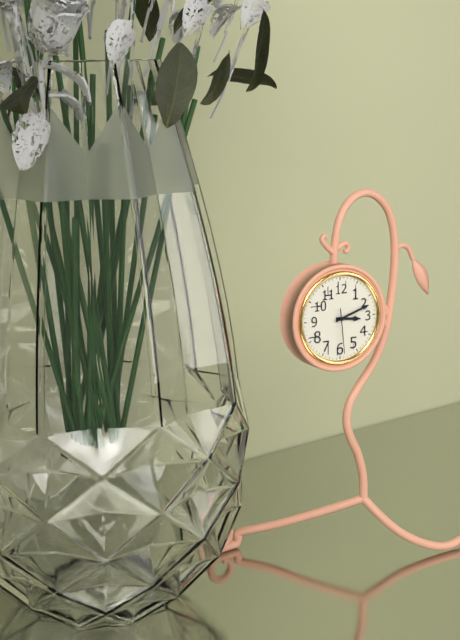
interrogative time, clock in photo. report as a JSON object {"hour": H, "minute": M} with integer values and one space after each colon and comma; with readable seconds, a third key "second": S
{"hour": 3, "minute": 12}
